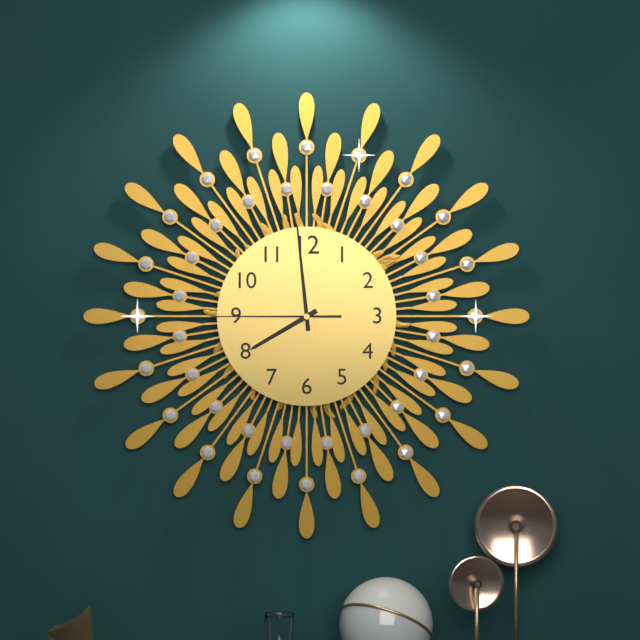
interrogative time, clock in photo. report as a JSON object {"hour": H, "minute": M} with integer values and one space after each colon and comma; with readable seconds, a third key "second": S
{"hour": 7, "minute": 59, "second": 45}
